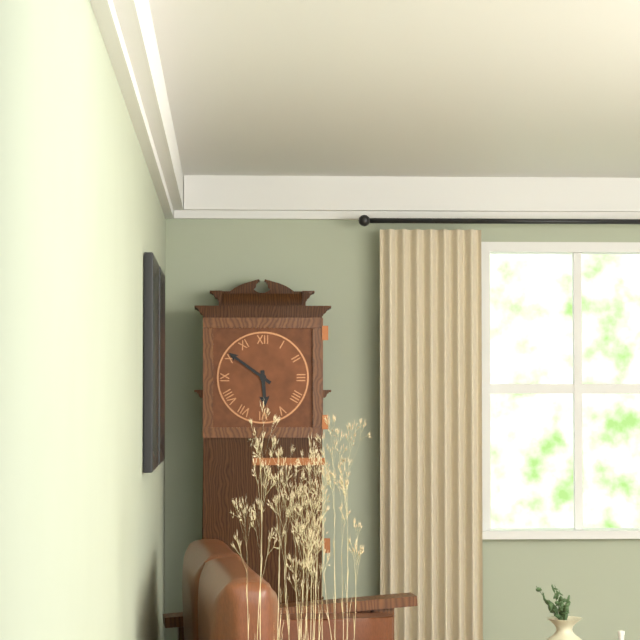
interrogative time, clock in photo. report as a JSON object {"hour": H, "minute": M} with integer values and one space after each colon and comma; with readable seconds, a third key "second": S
{"hour": 5, "minute": 51}
